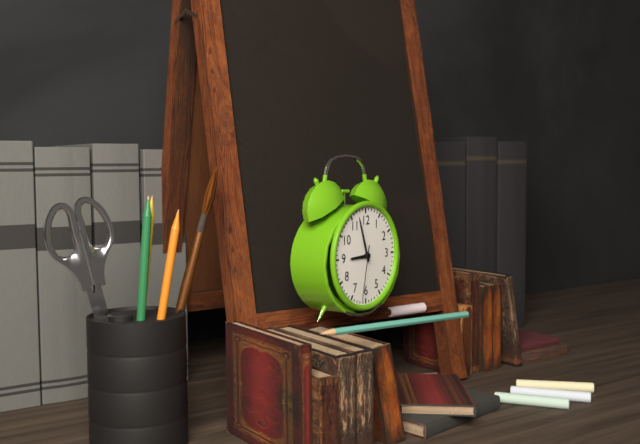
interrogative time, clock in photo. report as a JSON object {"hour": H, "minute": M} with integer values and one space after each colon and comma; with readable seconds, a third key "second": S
{"hour": 8, "minute": 57, "second": 32}
